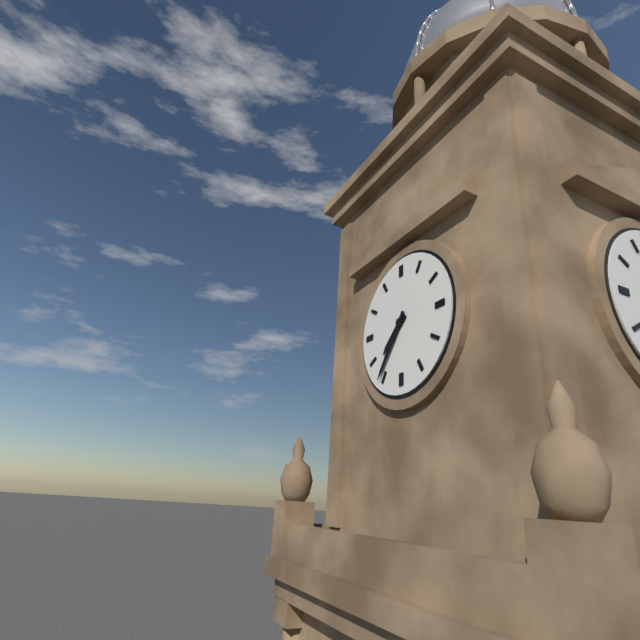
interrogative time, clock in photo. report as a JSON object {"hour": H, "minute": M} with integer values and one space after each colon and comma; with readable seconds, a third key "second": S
{"hour": 7, "minute": 36}
